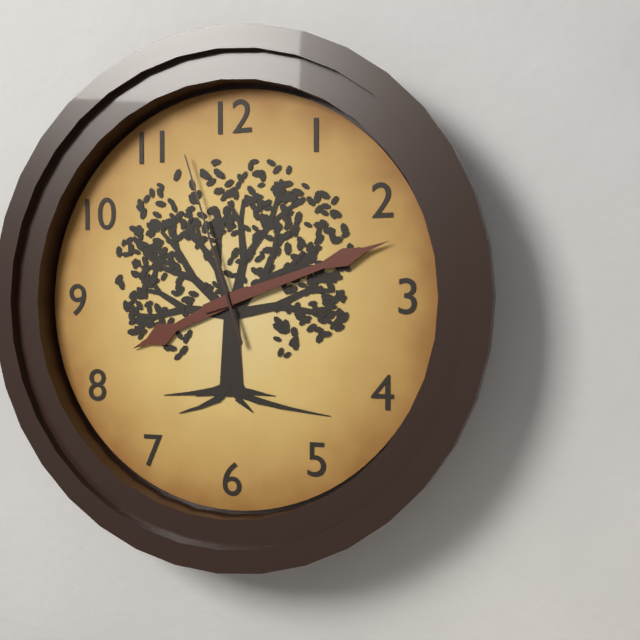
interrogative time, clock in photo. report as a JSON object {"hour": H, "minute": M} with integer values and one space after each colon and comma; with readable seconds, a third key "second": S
{"hour": 8, "minute": 12, "second": 57}
